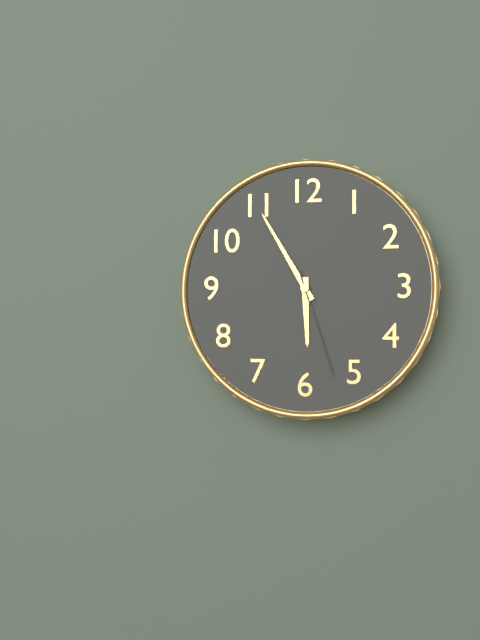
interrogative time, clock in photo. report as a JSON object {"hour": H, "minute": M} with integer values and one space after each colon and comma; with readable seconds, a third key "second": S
{"hour": 5, "minute": 55, "second": 27}
